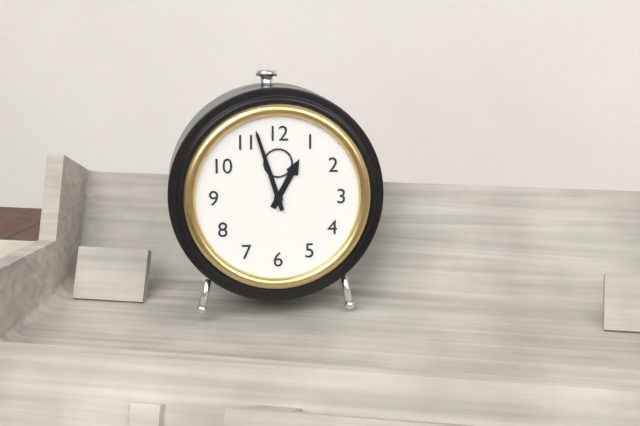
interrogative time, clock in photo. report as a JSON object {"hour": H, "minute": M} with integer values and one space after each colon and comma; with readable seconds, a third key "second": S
{"hour": 12, "minute": 57}
